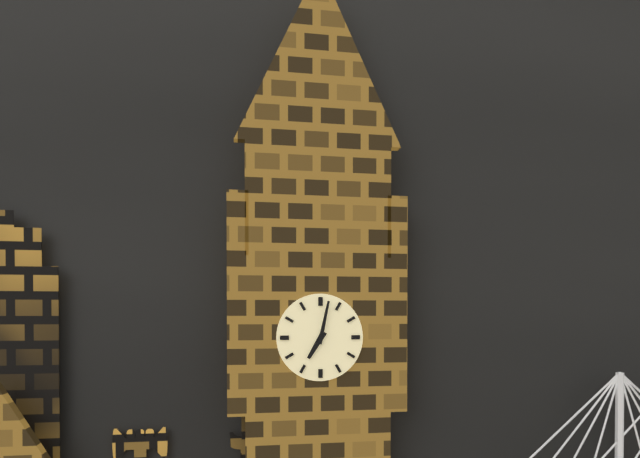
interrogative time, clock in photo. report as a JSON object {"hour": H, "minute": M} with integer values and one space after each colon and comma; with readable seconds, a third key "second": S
{"hour": 7, "minute": 2}
